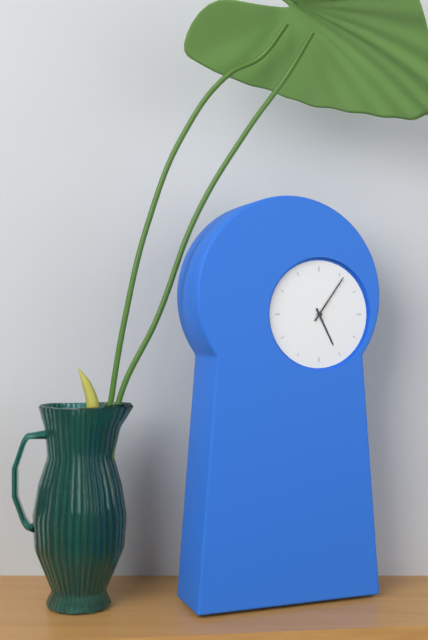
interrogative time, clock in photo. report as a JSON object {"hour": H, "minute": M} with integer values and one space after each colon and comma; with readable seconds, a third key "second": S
{"hour": 5, "minute": 6}
